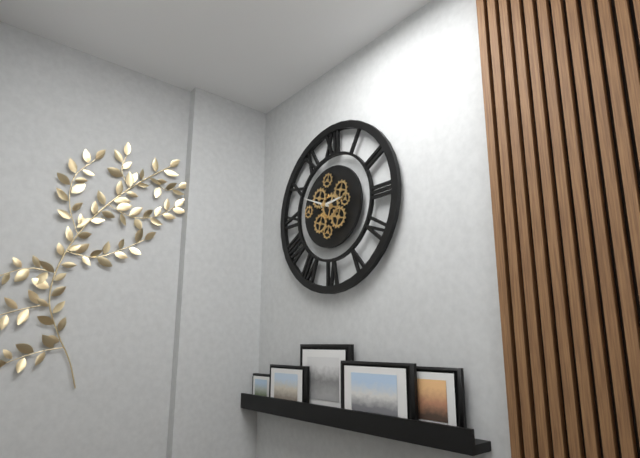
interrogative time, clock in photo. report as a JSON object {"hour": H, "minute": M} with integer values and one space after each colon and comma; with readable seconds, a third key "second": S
{"hour": 2, "minute": 49}
